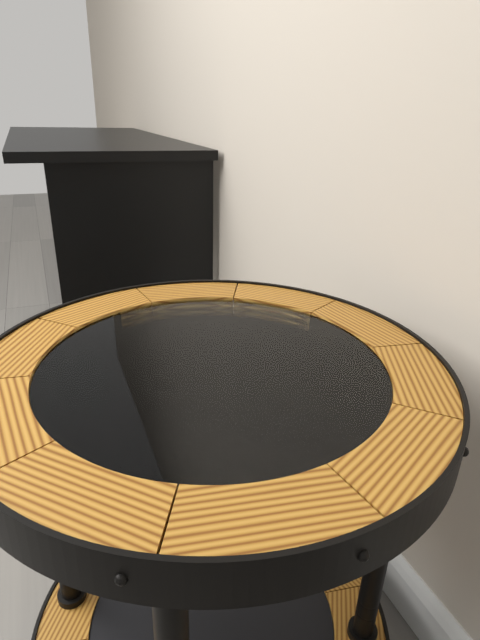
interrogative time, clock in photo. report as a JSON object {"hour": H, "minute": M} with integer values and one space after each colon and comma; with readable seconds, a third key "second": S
{"hour": 3, "minute": 11}
